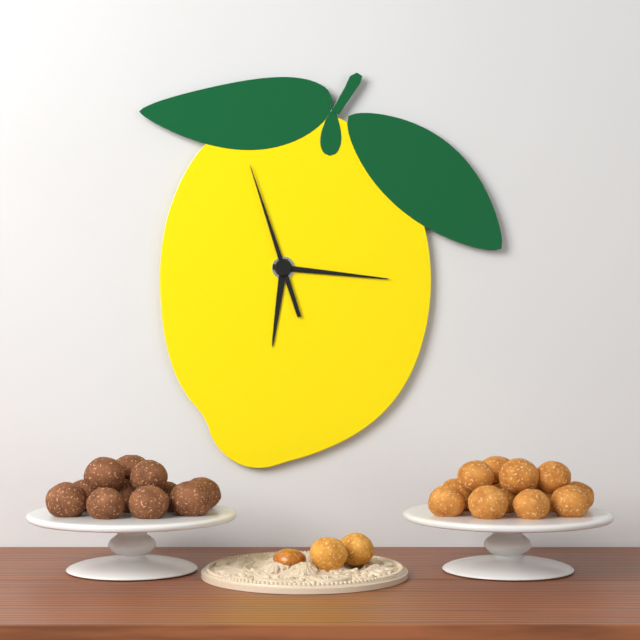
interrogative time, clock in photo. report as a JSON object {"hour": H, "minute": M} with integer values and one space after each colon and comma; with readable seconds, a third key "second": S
{"hour": 6, "minute": 16, "second": 57}
